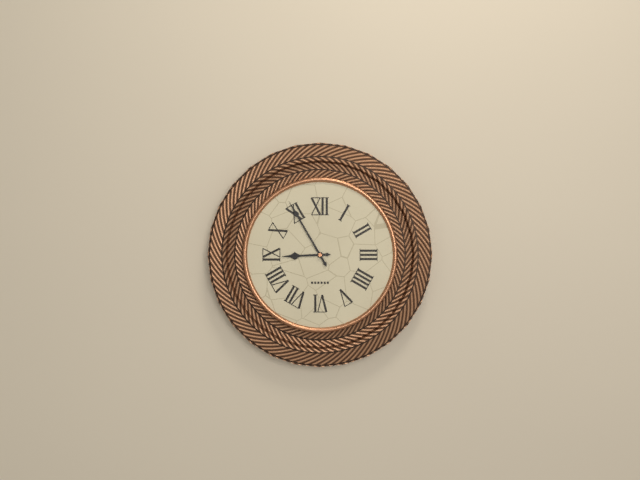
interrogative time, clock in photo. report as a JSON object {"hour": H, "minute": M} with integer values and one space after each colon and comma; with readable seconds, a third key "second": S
{"hour": 8, "minute": 55}
